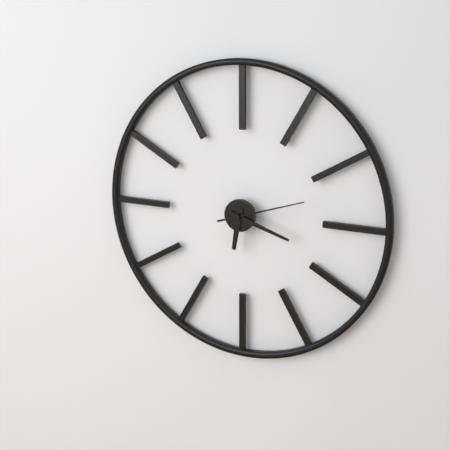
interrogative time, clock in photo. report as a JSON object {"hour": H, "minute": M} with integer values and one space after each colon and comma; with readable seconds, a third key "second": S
{"hour": 6, "minute": 18, "second": 12}
